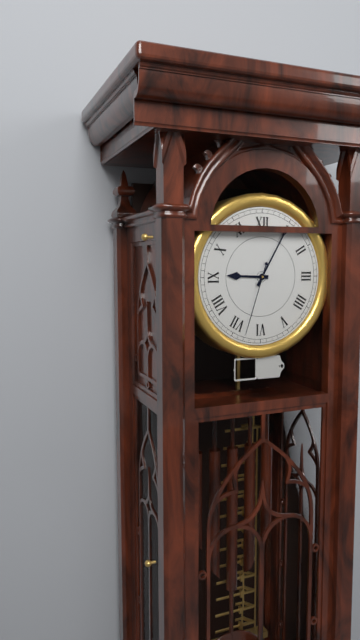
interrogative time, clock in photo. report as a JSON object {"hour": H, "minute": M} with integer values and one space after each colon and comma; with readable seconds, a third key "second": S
{"hour": 9, "minute": 5, "second": 33}
